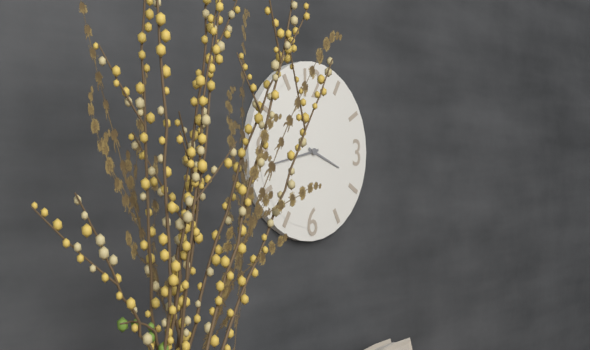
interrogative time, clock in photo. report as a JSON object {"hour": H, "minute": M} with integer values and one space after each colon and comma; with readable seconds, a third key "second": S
{"hour": 3, "minute": 43}
